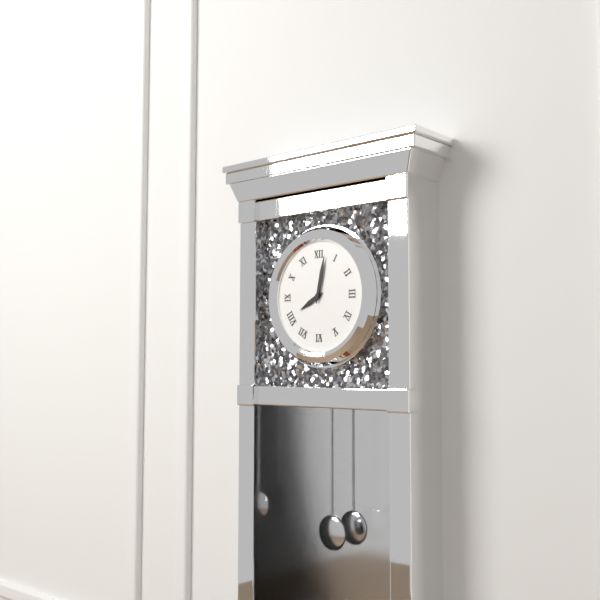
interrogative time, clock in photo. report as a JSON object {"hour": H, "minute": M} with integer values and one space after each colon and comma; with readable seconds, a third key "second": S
{"hour": 8, "minute": 2}
